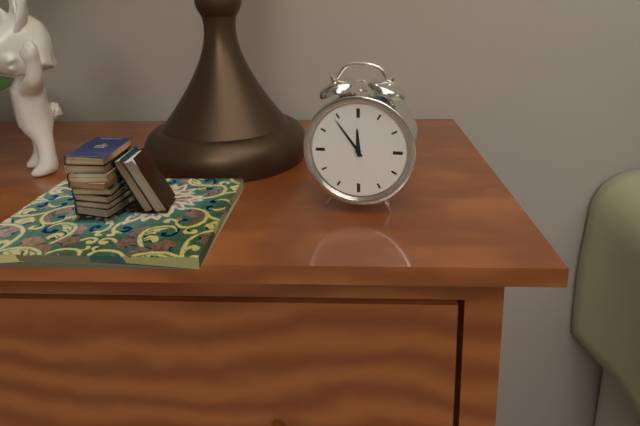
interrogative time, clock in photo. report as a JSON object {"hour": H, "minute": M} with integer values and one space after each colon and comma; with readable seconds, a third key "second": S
{"hour": 11, "minute": 54}
